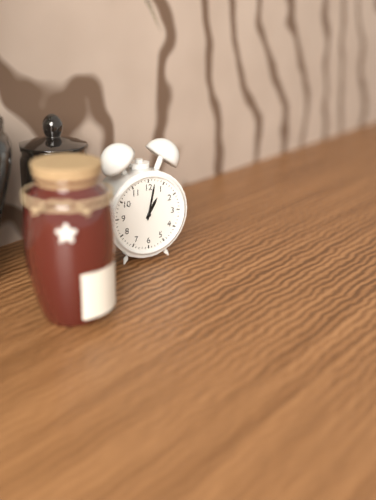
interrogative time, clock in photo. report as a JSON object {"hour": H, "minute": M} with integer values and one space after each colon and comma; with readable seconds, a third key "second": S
{"hour": 1, "minute": 2}
